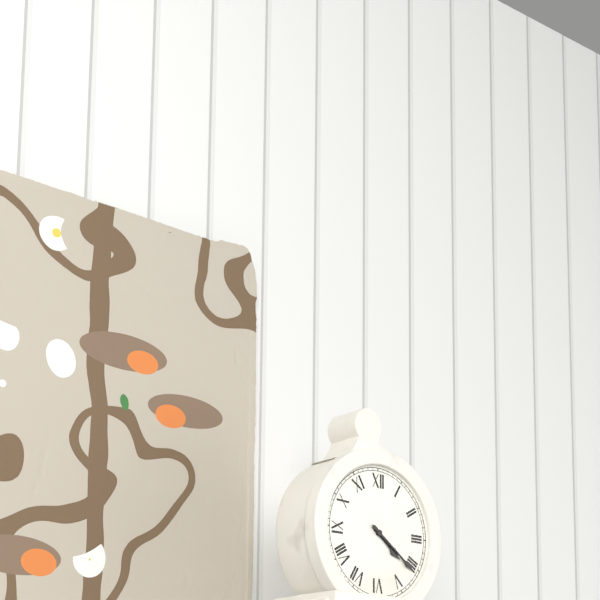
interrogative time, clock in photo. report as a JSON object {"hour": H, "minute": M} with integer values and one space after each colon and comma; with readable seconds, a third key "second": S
{"hour": 4, "minute": 21}
